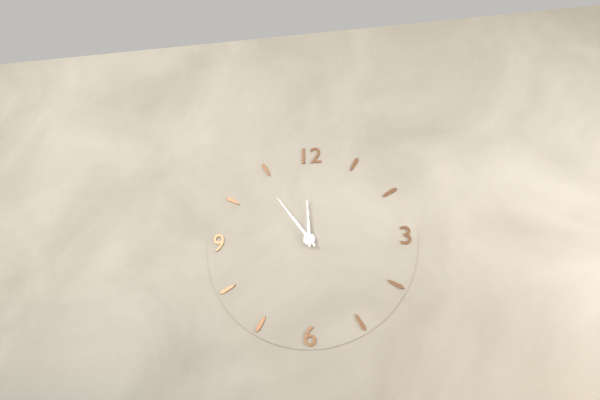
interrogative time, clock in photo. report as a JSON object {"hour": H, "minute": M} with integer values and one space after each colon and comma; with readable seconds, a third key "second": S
{"hour": 11, "minute": 54}
